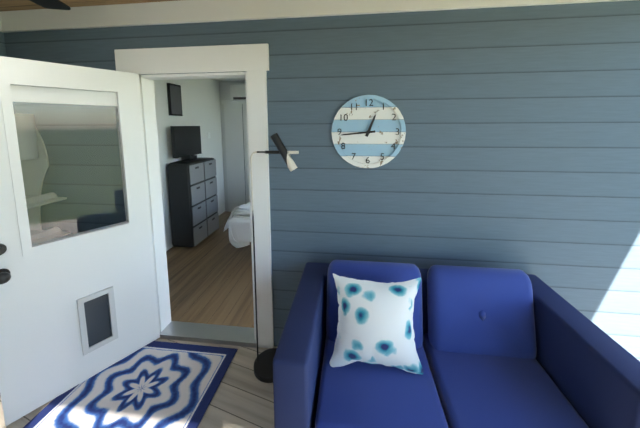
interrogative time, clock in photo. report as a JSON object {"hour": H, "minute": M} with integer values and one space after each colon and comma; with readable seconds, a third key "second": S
{"hour": 12, "minute": 44}
